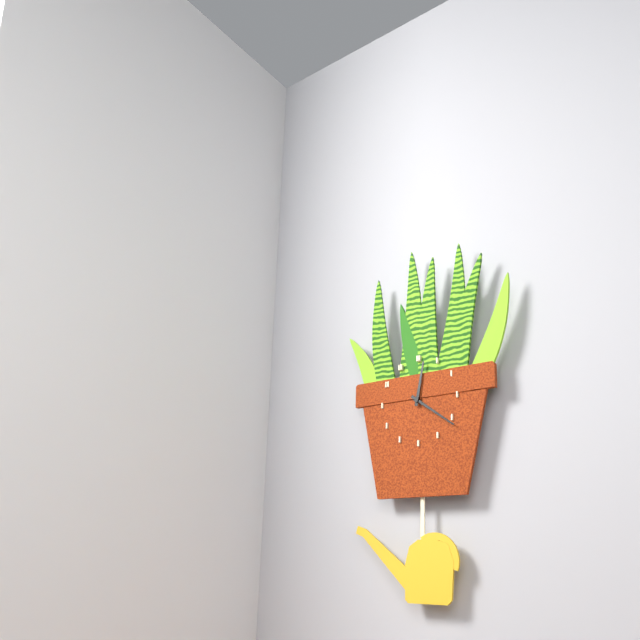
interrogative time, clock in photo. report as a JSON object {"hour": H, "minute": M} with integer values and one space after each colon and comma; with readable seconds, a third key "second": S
{"hour": 12, "minute": 21}
